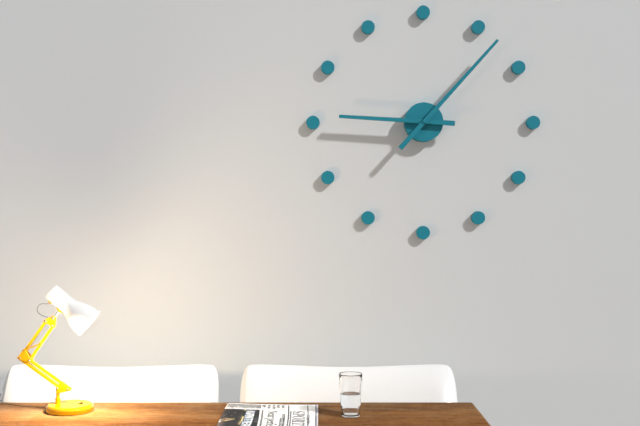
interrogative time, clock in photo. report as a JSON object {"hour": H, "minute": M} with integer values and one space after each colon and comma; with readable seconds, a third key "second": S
{"hour": 9, "minute": 7}
